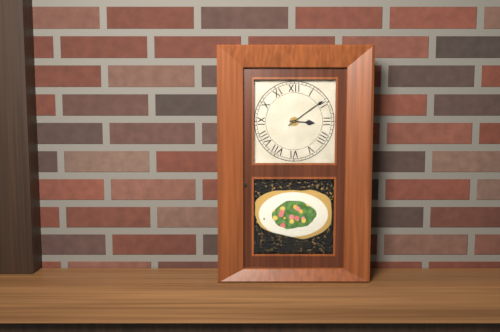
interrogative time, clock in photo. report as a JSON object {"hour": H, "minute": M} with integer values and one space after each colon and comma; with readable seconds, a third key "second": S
{"hour": 3, "minute": 9}
